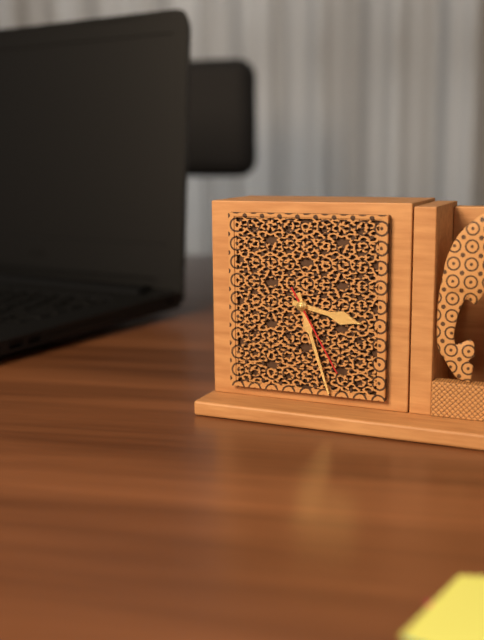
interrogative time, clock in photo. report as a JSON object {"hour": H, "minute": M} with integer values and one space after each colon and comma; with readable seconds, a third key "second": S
{"hour": 3, "minute": 27, "second": 25}
